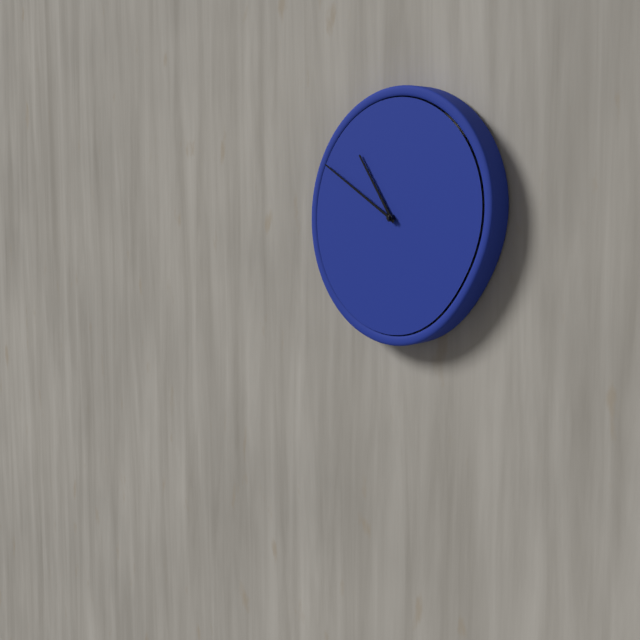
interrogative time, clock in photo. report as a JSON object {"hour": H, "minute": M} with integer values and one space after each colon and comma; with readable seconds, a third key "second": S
{"hour": 10, "minute": 50}
